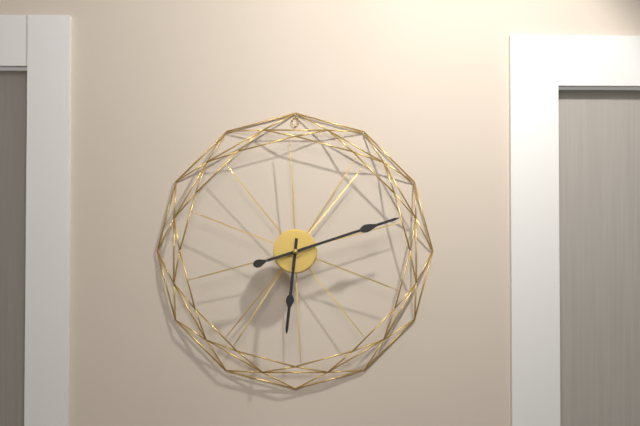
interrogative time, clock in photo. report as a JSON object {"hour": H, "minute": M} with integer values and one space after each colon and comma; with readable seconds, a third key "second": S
{"hour": 6, "minute": 12}
